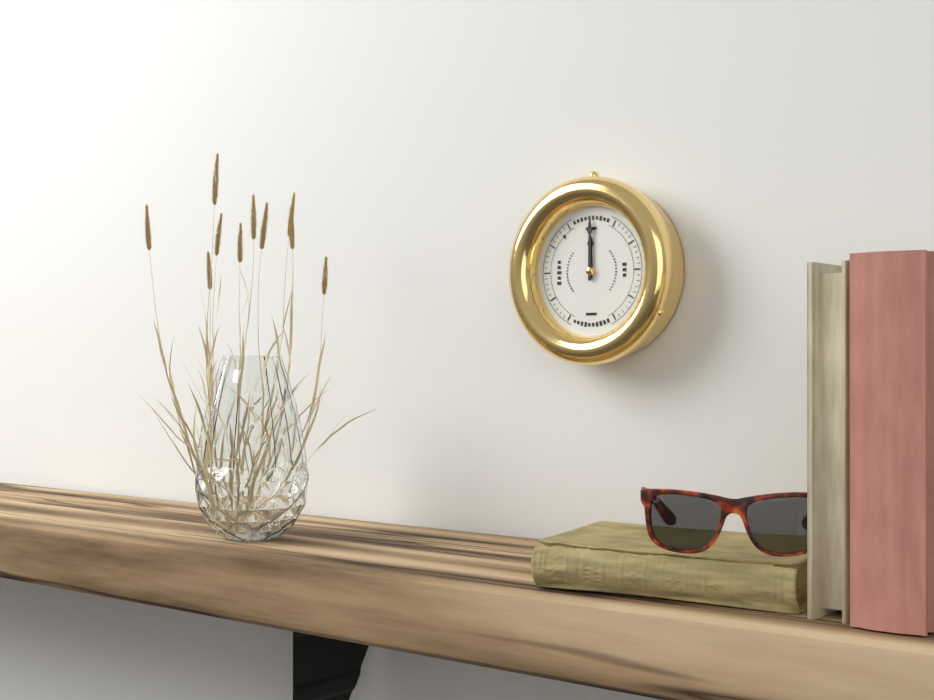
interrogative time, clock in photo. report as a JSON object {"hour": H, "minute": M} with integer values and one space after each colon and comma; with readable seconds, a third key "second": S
{"hour": 12, "minute": 0}
